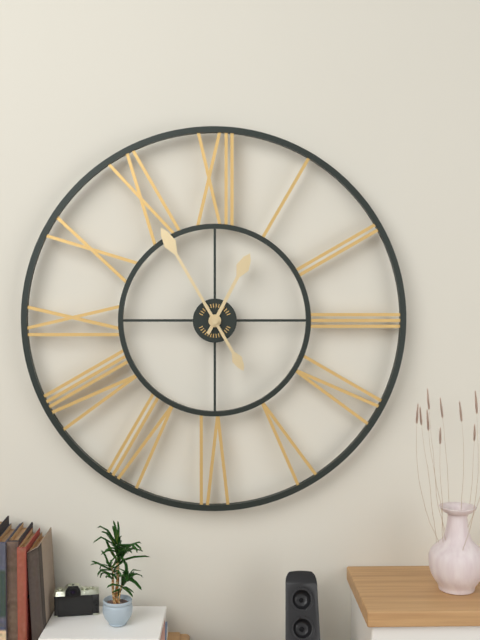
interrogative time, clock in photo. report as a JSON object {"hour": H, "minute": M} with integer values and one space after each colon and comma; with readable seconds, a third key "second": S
{"hour": 12, "minute": 55}
